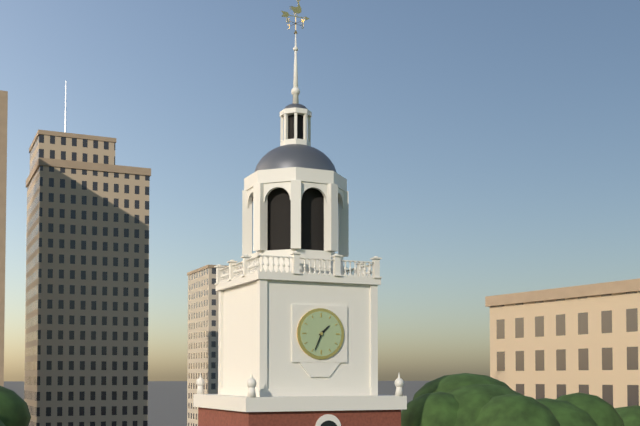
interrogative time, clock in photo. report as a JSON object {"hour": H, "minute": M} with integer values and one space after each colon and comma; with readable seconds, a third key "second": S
{"hour": 1, "minute": 34}
